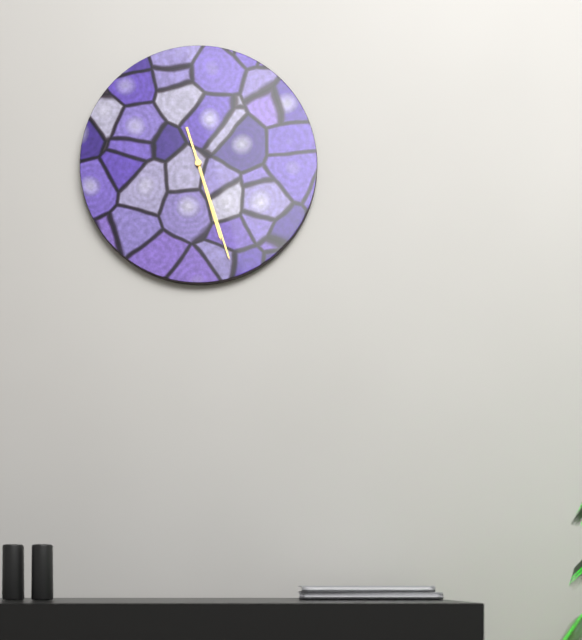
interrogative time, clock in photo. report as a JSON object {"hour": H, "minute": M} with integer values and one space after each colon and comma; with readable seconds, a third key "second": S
{"hour": 5, "minute": 27}
